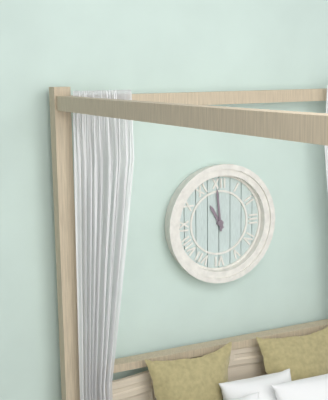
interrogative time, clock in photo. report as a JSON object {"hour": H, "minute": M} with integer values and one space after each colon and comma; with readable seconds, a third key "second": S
{"hour": 10, "minute": 59}
